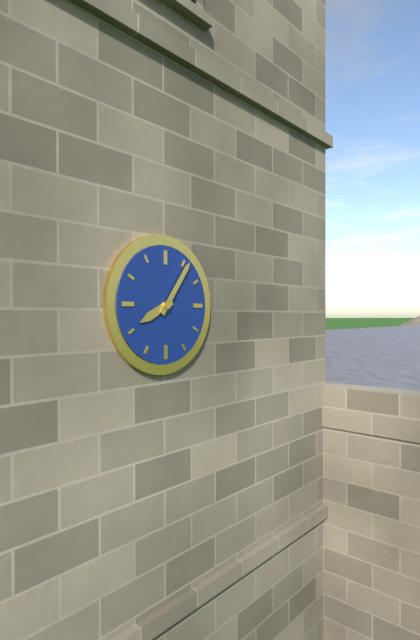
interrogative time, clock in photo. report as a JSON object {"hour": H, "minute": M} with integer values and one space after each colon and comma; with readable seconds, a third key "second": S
{"hour": 8, "minute": 6}
